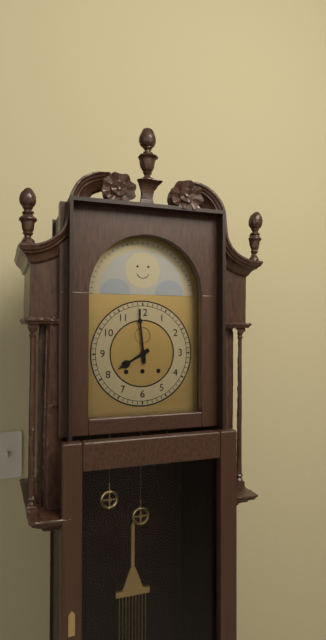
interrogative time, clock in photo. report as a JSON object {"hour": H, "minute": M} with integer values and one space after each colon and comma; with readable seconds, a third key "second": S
{"hour": 7, "minute": 59}
